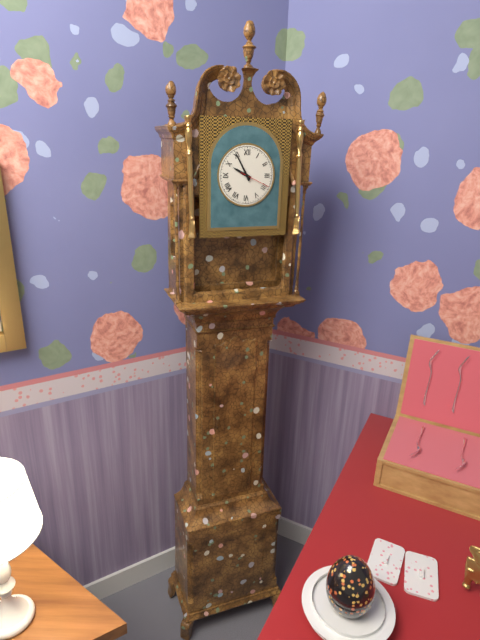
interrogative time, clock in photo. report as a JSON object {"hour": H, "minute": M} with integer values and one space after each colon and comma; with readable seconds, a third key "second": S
{"hour": 9, "minute": 55}
